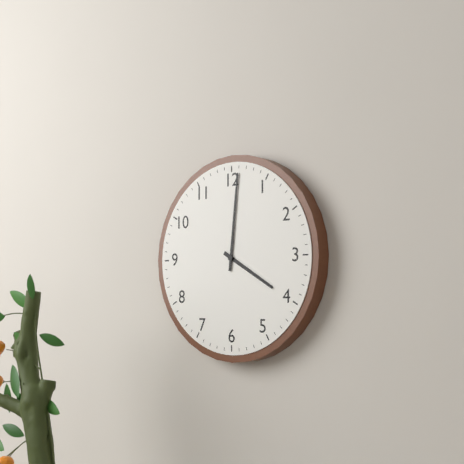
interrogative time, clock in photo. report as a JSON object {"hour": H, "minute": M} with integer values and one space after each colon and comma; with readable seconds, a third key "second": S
{"hour": 4, "minute": 1}
